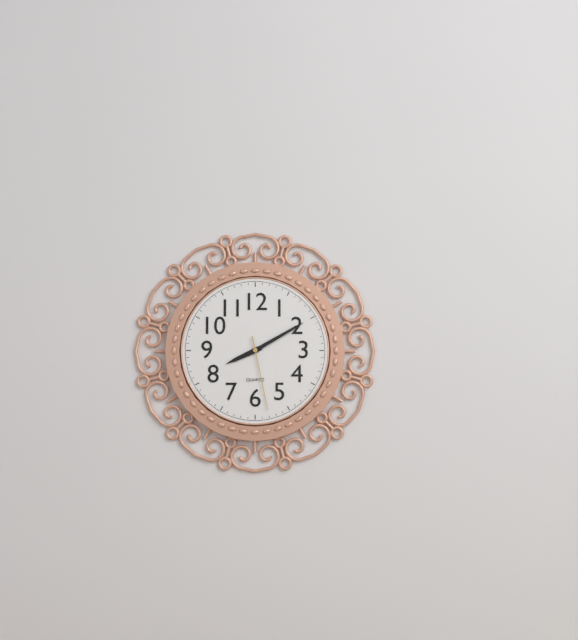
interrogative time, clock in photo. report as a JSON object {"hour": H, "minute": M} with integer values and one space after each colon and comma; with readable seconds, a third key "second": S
{"hour": 8, "minute": 10, "second": 28}
